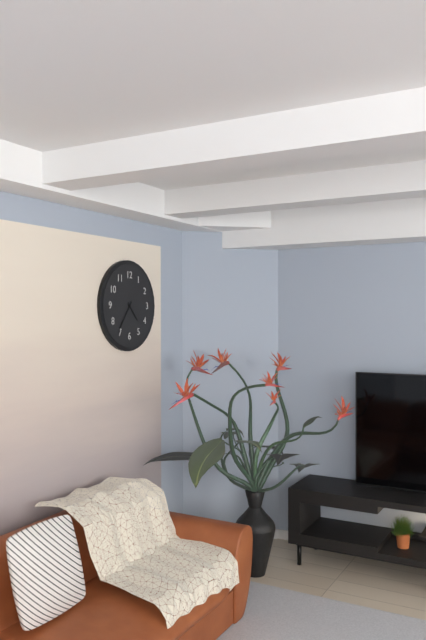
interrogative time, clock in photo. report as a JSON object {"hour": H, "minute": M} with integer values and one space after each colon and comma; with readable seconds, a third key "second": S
{"hour": 4, "minute": 36}
